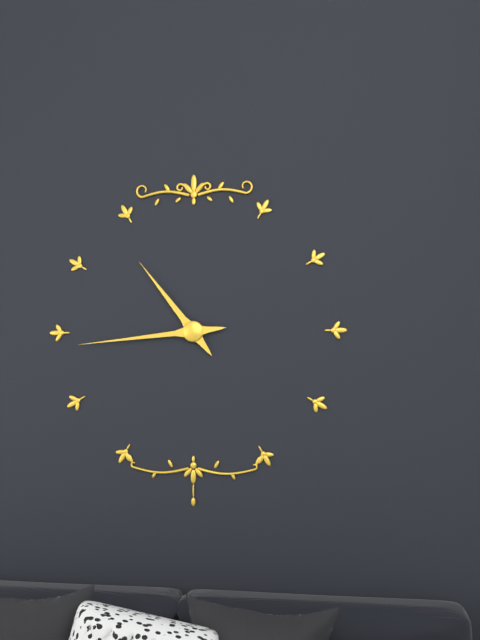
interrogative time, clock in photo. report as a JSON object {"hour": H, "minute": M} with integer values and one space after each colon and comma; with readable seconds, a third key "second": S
{"hour": 10, "minute": 44}
